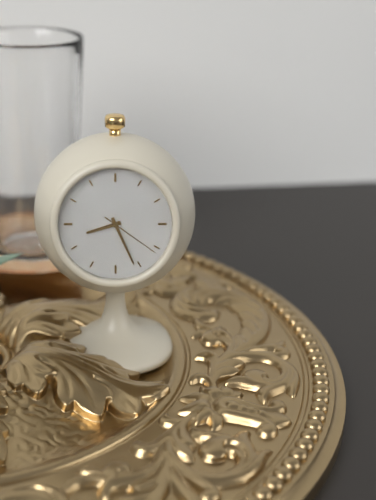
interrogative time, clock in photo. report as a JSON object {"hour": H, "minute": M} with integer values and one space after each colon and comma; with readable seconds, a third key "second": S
{"hour": 8, "minute": 26, "second": 21}
